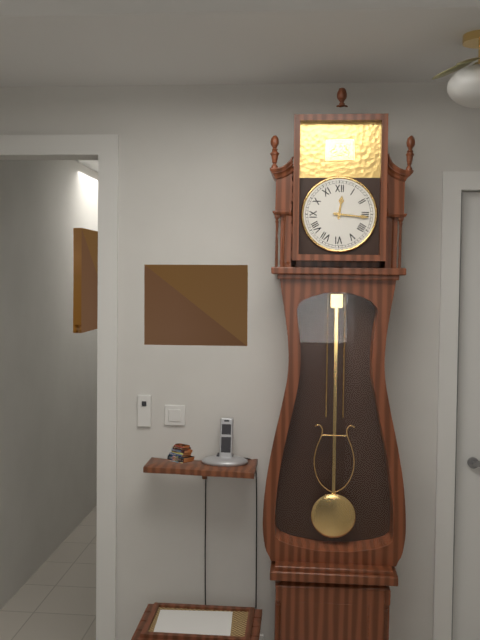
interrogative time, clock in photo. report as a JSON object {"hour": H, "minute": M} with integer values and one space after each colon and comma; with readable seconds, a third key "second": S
{"hour": 12, "minute": 16}
